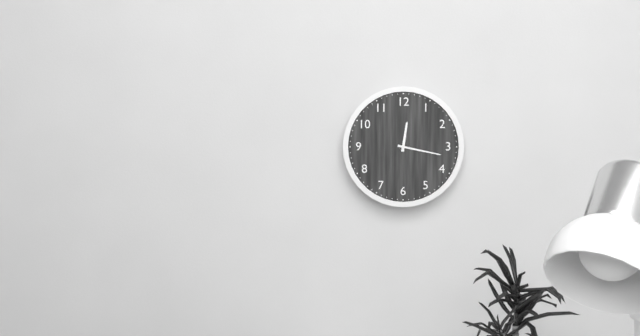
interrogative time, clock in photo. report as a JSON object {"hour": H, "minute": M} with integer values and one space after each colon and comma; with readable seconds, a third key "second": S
{"hour": 12, "minute": 17}
